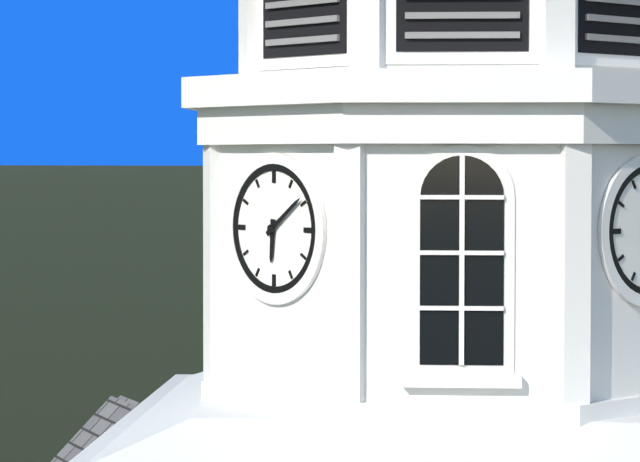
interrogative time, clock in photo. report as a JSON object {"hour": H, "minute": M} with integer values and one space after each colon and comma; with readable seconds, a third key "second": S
{"hour": 6, "minute": 9}
